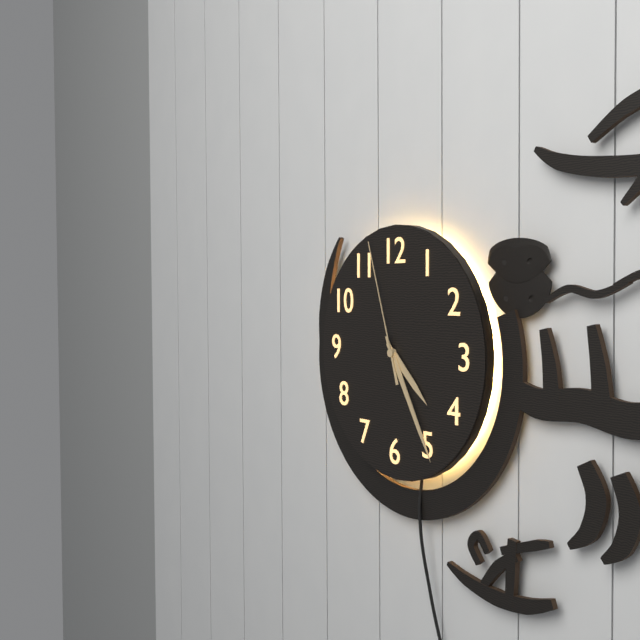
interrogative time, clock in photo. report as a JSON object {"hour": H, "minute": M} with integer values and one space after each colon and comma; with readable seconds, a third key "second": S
{"hour": 4, "minute": 25, "second": 57}
